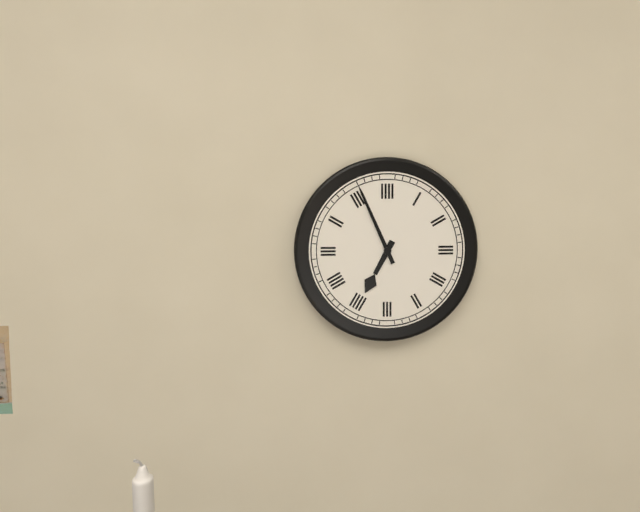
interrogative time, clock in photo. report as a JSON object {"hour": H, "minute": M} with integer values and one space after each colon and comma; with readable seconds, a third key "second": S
{"hour": 6, "minute": 56}
